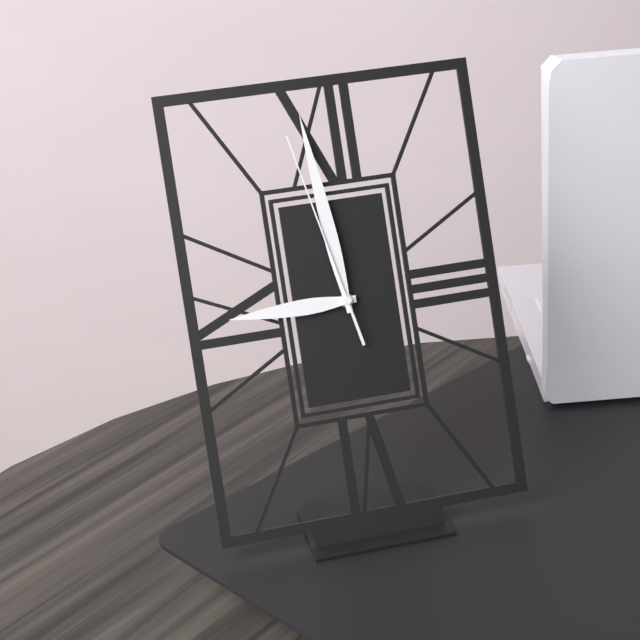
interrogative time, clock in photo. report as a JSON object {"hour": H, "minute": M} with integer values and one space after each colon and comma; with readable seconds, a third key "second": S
{"hour": 8, "minute": 59, "second": 58}
